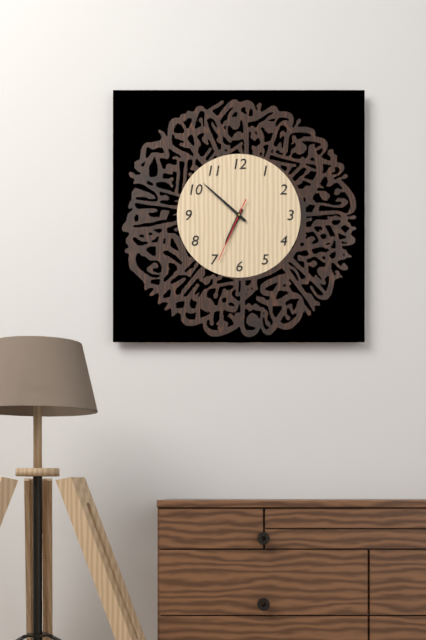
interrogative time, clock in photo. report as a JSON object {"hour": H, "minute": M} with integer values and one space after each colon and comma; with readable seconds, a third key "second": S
{"hour": 6, "minute": 52, "second": 34}
